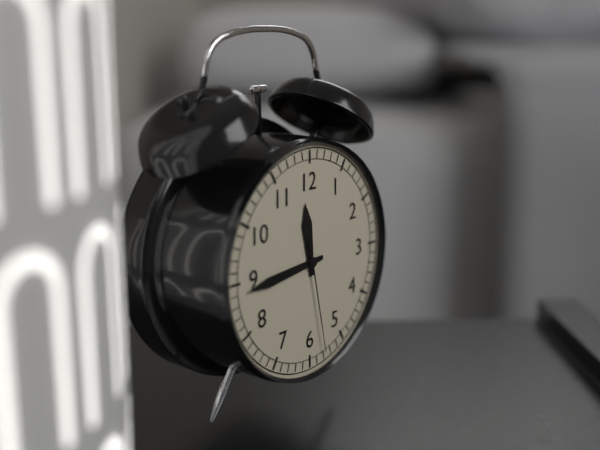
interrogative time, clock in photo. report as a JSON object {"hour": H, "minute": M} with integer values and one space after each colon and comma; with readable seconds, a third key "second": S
{"hour": 11, "minute": 44, "second": 28}
